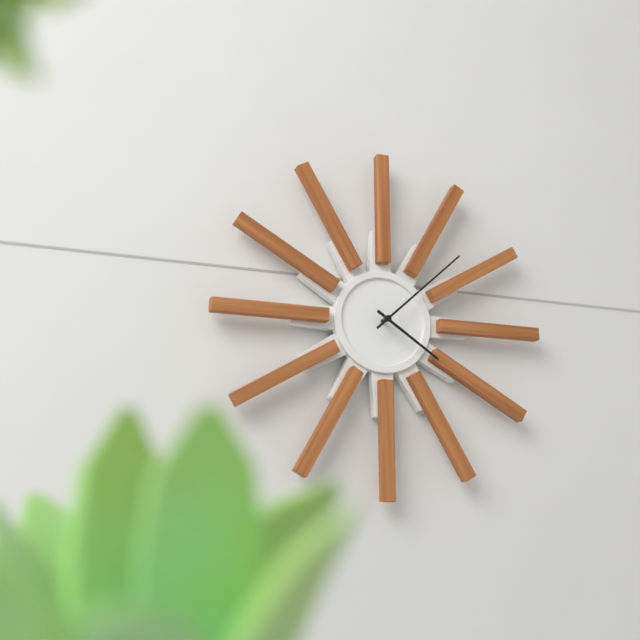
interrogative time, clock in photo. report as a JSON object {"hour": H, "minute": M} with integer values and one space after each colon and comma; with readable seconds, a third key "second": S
{"hour": 4, "minute": 8}
